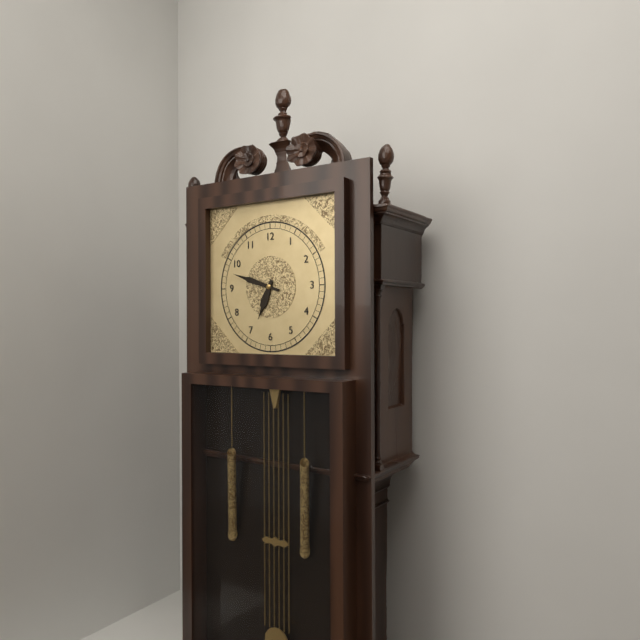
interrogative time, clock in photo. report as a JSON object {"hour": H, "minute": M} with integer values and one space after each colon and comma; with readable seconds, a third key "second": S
{"hour": 6, "minute": 48}
